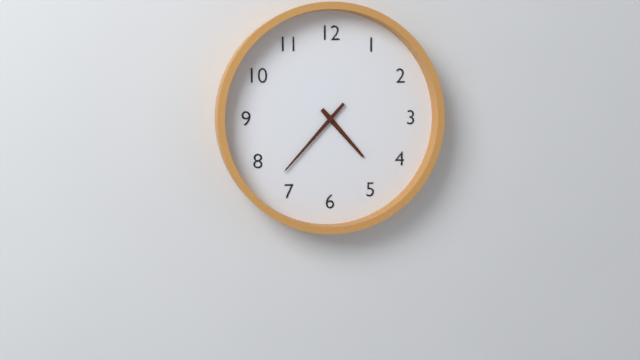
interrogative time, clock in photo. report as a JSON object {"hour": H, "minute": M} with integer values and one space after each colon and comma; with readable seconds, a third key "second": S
{"hour": 4, "minute": 37}
